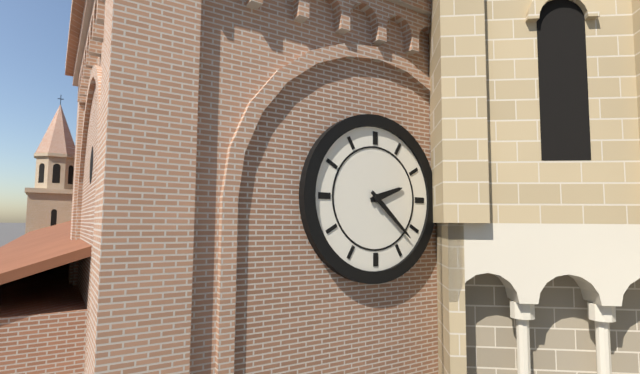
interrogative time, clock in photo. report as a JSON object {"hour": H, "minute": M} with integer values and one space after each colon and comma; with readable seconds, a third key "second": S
{"hour": 2, "minute": 22}
